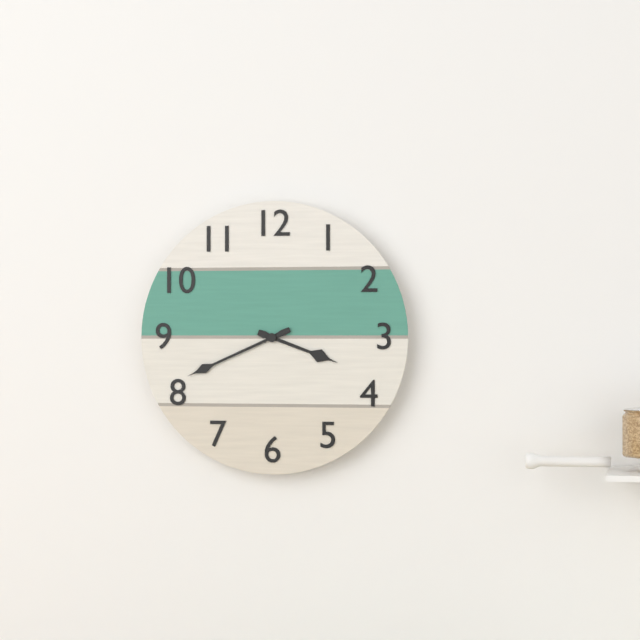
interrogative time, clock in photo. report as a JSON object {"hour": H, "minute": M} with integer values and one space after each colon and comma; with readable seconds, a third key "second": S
{"hour": 3, "minute": 41}
